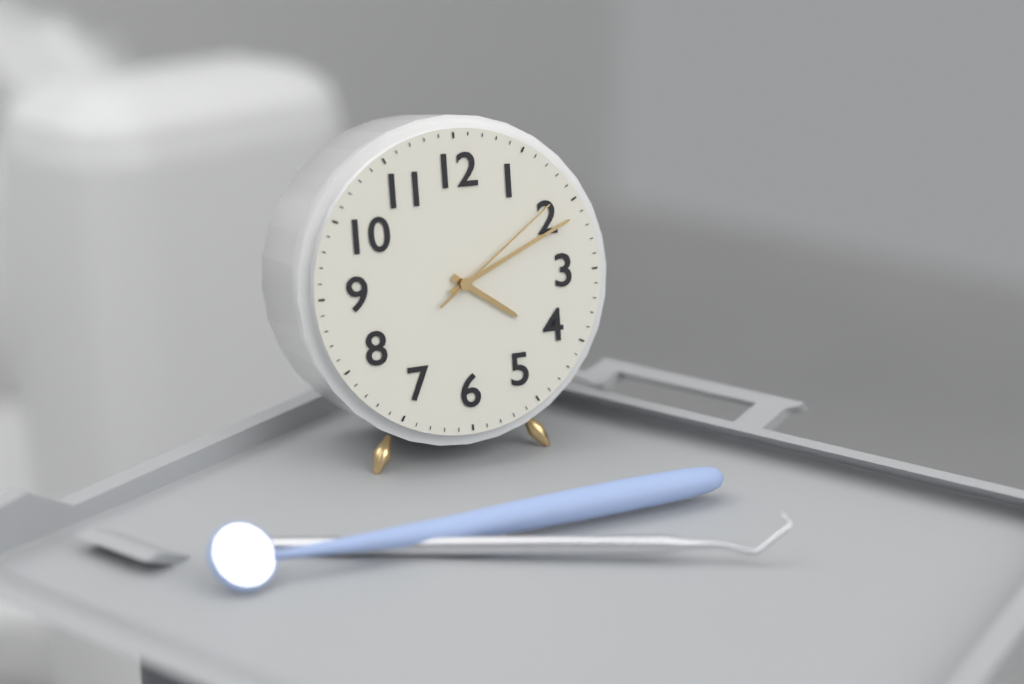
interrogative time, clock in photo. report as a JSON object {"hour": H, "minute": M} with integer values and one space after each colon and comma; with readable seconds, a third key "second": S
{"hour": 4, "minute": 11, "second": 9}
